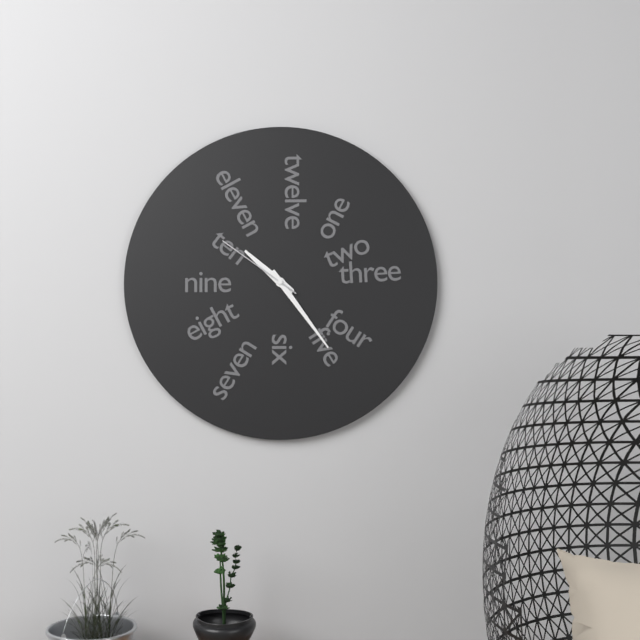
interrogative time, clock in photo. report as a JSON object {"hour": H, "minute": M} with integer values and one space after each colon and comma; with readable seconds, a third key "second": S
{"hour": 10, "minute": 24, "second": 51}
